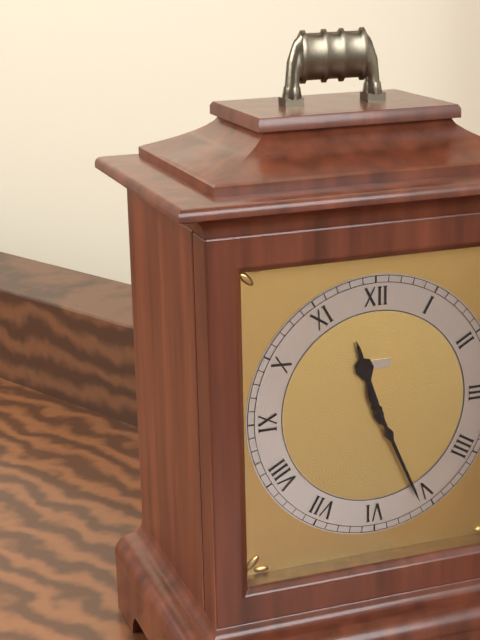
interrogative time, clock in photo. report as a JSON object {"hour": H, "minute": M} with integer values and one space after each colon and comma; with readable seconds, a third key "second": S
{"hour": 11, "minute": 26}
